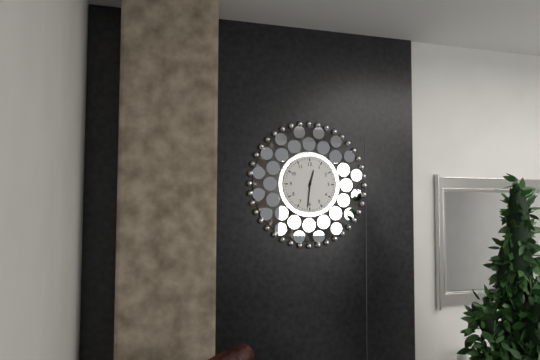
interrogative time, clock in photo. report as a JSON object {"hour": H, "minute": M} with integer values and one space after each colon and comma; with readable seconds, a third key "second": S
{"hour": 12, "minute": 31}
